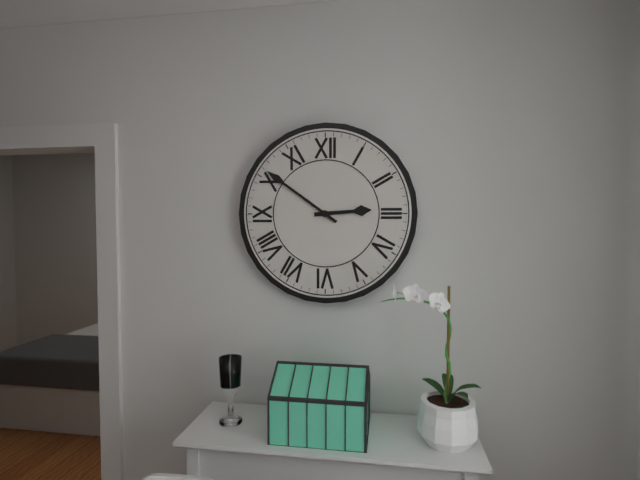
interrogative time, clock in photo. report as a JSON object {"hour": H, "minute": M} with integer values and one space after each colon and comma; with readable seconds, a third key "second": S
{"hour": 2, "minute": 51}
